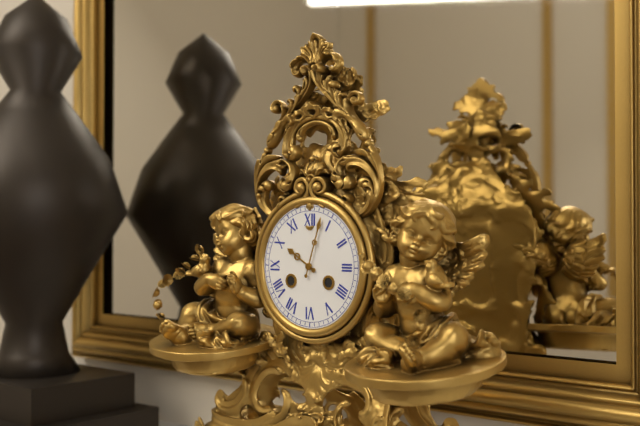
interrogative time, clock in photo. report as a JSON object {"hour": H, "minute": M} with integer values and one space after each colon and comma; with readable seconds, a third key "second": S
{"hour": 10, "minute": 3}
